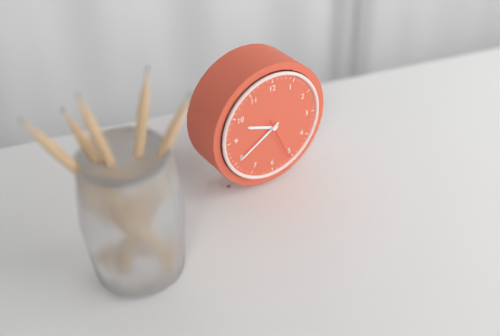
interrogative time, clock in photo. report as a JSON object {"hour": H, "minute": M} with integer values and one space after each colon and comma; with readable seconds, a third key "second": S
{"hour": 9, "minute": 40}
